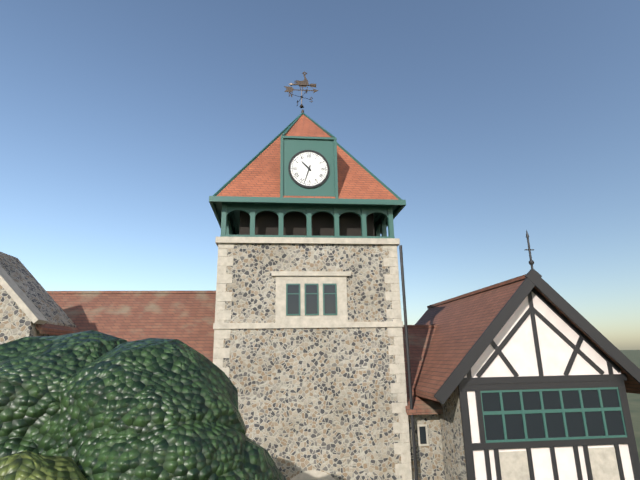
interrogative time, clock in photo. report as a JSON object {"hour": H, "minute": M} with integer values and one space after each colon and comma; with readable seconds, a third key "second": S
{"hour": 10, "minute": 33}
